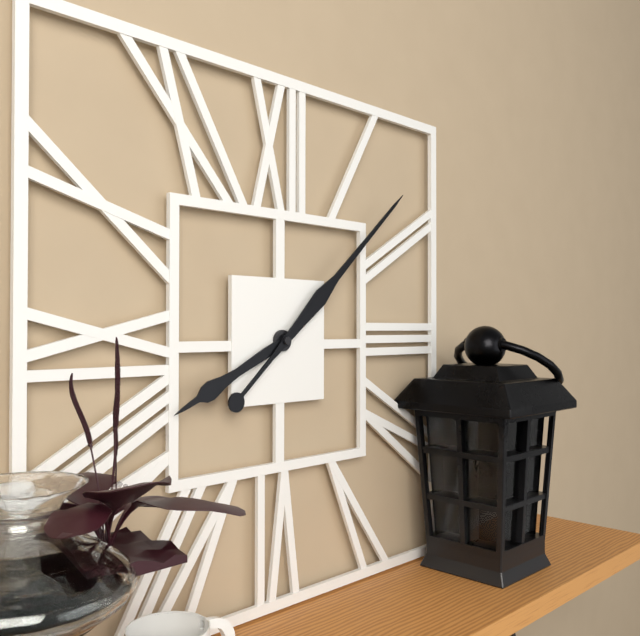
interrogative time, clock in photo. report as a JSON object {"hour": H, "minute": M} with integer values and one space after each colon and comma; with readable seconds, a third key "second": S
{"hour": 8, "minute": 8}
